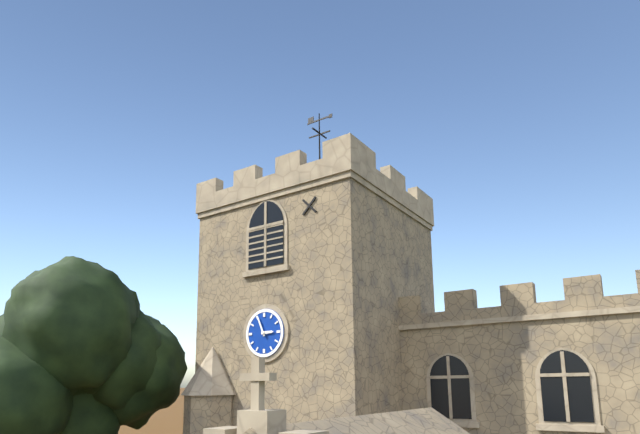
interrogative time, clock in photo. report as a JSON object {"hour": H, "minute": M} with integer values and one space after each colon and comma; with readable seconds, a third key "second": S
{"hour": 2, "minute": 56}
